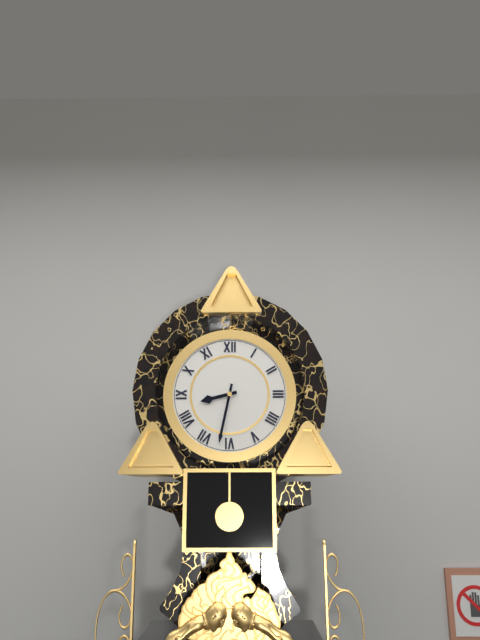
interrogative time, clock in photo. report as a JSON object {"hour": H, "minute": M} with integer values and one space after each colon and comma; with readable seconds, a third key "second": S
{"hour": 8, "minute": 32}
